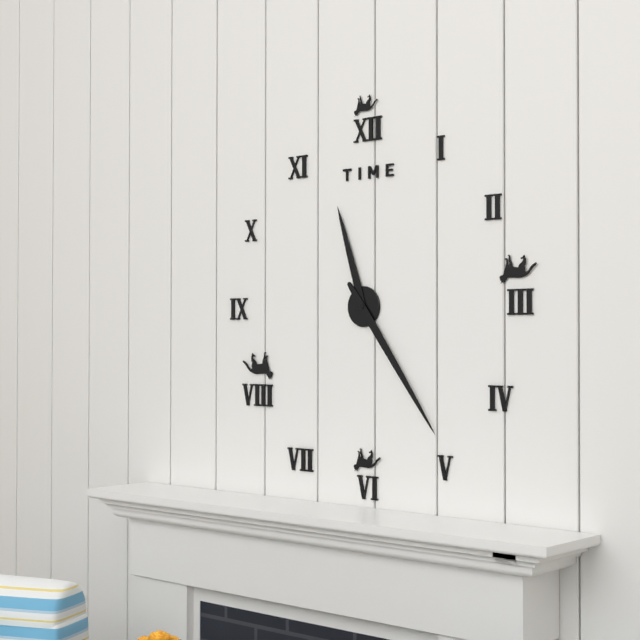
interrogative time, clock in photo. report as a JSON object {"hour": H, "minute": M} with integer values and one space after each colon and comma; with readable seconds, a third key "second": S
{"hour": 11, "minute": 24}
